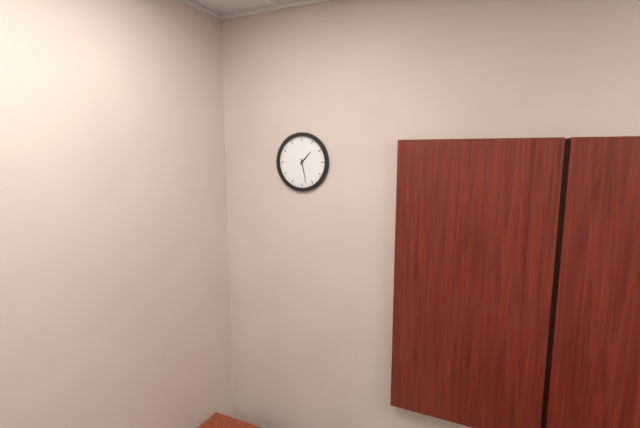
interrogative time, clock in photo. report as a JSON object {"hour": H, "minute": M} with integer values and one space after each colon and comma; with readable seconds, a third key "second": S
{"hour": 1, "minute": 28}
